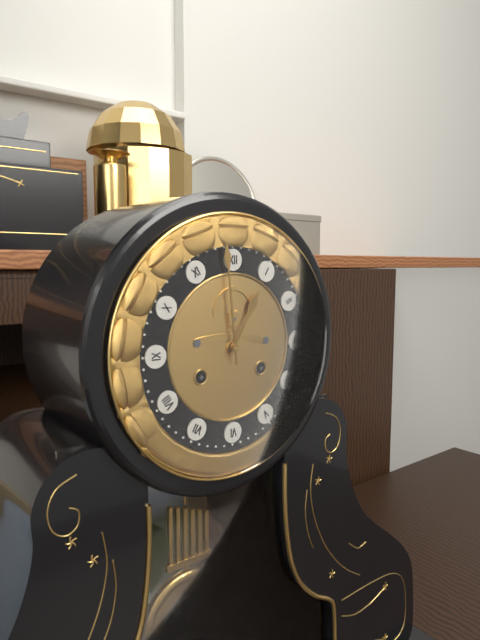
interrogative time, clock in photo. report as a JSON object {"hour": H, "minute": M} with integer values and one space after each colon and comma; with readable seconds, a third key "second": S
{"hour": 12, "minute": 59}
